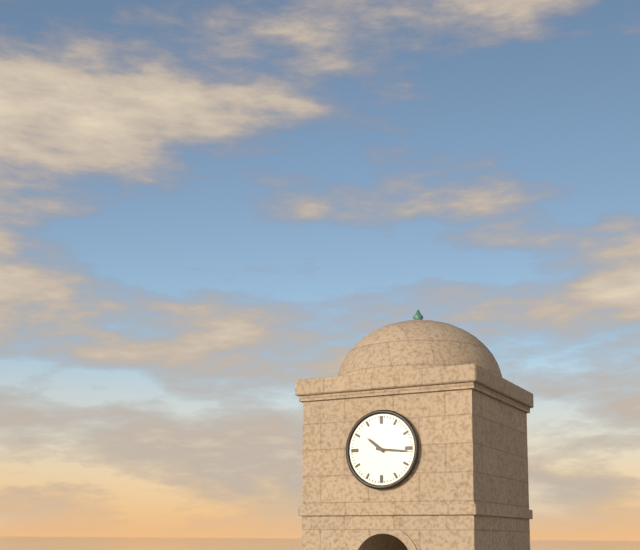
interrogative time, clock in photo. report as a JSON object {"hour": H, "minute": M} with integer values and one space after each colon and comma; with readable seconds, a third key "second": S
{"hour": 10, "minute": 16}
